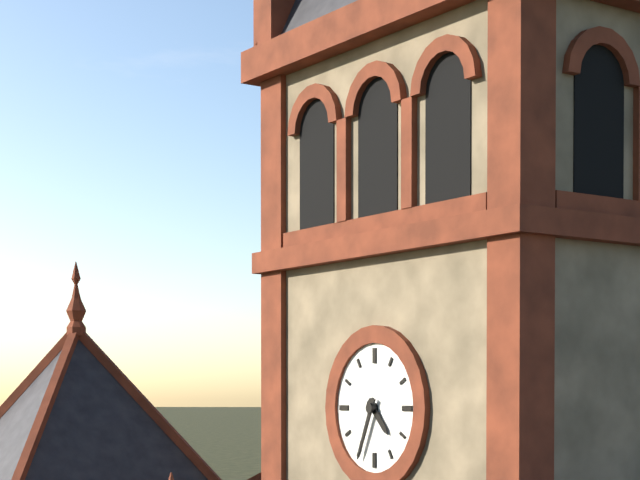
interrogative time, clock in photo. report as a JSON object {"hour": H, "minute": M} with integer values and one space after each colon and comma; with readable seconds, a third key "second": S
{"hour": 4, "minute": 34}
